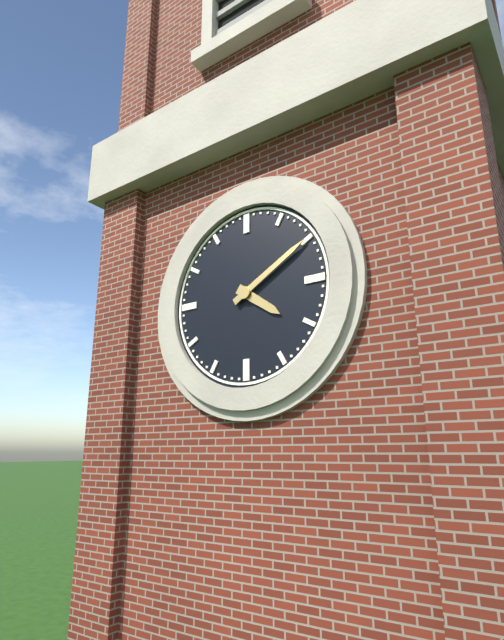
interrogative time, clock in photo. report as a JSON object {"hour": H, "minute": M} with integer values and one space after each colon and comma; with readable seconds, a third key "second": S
{"hour": 4, "minute": 10}
